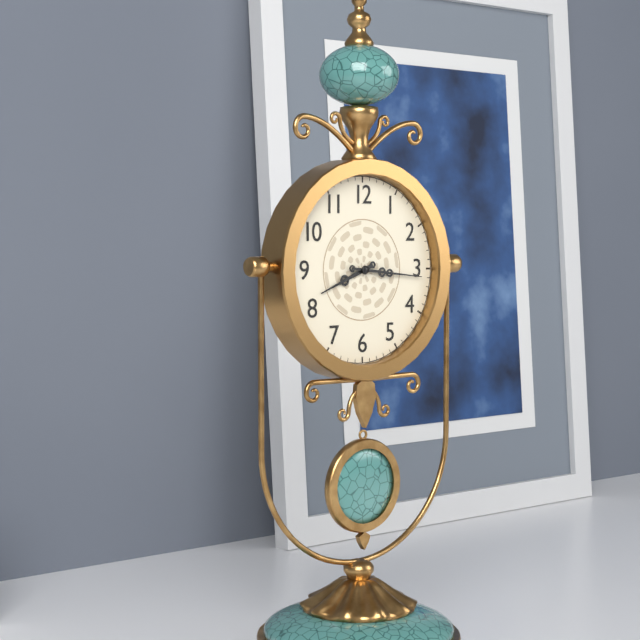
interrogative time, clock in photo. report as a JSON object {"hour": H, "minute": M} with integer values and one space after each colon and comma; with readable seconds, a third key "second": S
{"hour": 8, "minute": 16}
